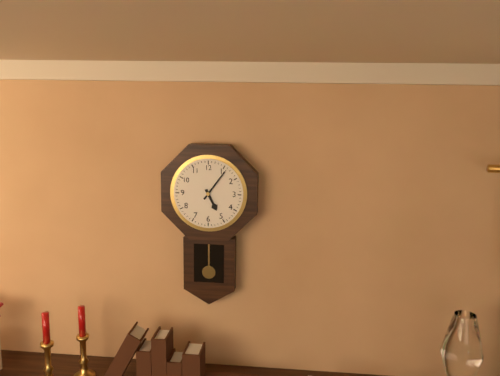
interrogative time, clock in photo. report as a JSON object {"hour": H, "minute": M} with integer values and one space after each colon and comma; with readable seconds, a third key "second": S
{"hour": 5, "minute": 6}
